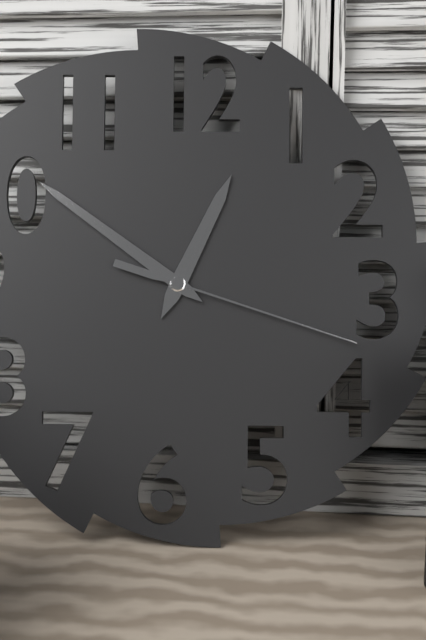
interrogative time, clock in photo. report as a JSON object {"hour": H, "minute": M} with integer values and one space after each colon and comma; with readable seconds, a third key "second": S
{"hour": 12, "minute": 51, "second": 18}
